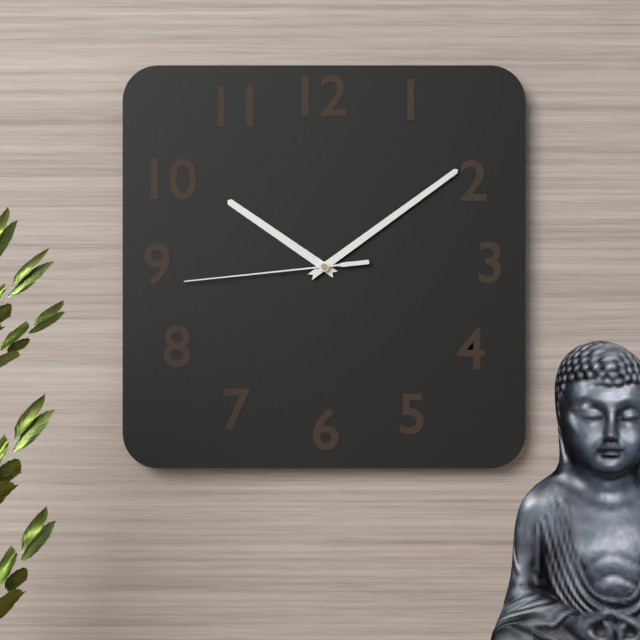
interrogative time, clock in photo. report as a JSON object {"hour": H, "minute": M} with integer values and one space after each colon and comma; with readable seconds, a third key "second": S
{"hour": 10, "minute": 9, "second": 44}
